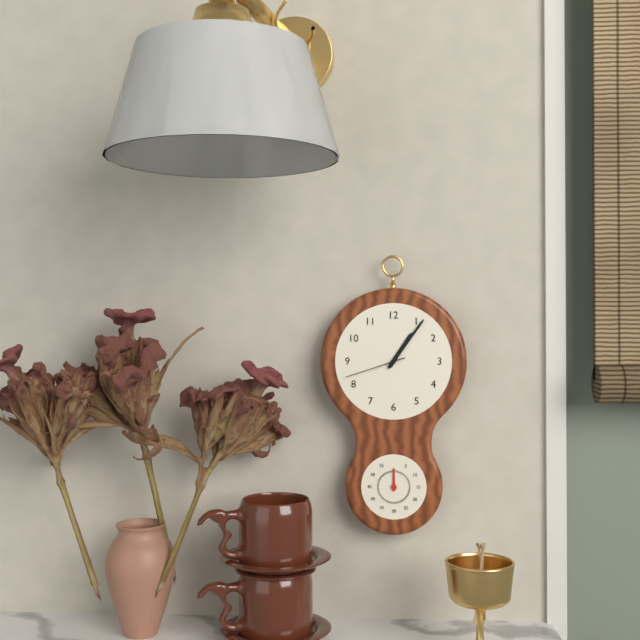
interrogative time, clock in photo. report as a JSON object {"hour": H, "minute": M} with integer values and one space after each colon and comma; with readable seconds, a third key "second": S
{"hour": 1, "minute": 6, "second": 42}
